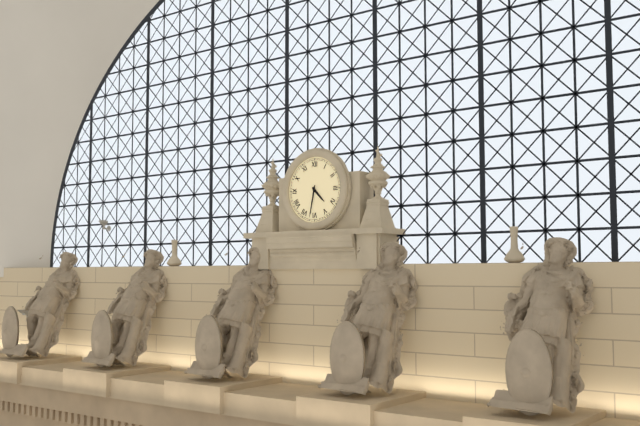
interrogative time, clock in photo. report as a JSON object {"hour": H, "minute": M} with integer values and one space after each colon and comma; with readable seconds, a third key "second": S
{"hour": 4, "minute": 32}
